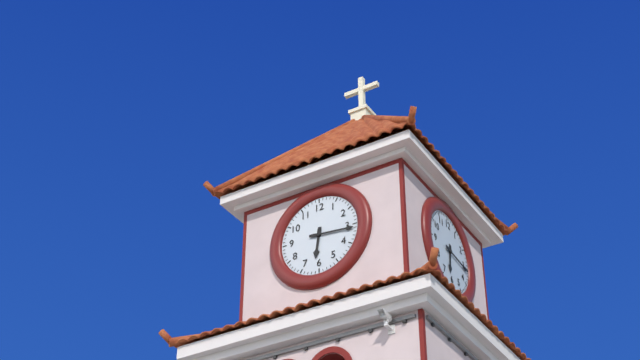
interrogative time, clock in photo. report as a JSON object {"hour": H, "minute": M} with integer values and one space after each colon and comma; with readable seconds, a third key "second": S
{"hour": 6, "minute": 16}
